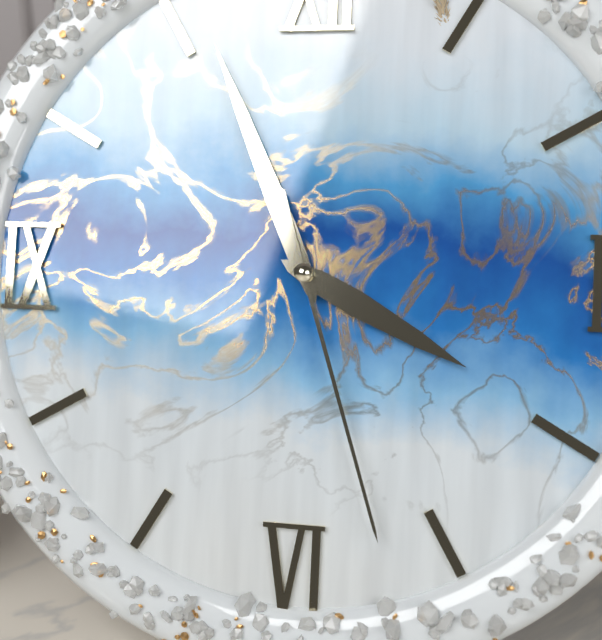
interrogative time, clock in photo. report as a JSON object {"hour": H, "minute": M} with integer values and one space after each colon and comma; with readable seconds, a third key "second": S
{"hour": 3, "minute": 56, "second": 27}
